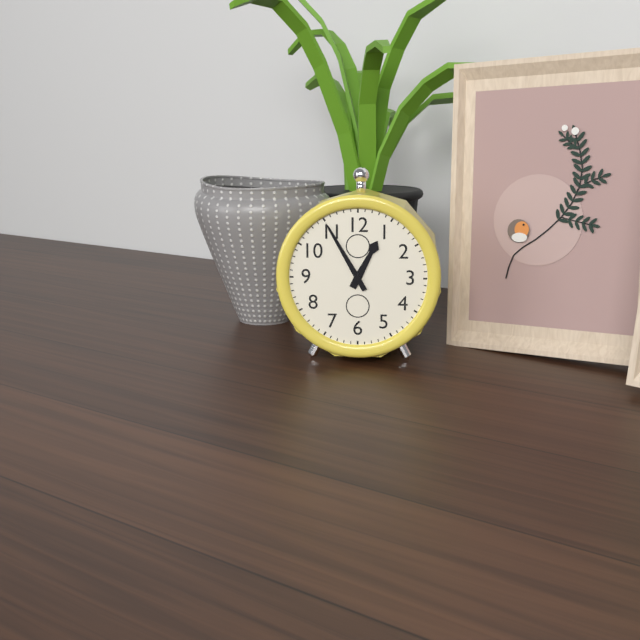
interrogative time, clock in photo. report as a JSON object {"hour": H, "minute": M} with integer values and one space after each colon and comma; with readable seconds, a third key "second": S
{"hour": 12, "minute": 55}
